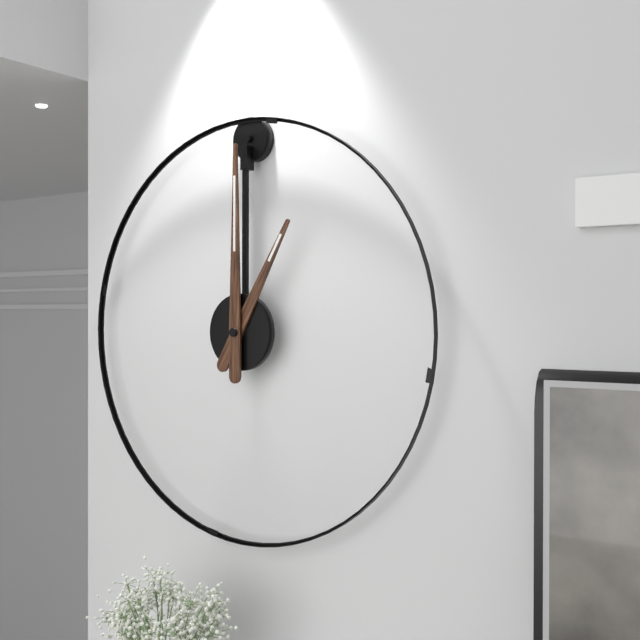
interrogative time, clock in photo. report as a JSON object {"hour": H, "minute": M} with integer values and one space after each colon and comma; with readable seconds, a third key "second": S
{"hour": 1, "minute": 0}
